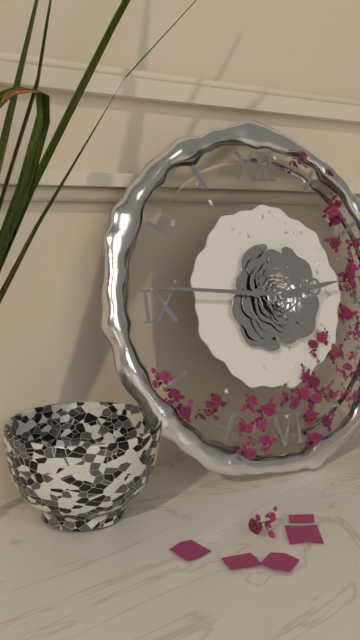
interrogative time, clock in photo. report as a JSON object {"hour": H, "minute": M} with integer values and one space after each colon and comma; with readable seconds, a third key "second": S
{"hour": 2, "minute": 46}
